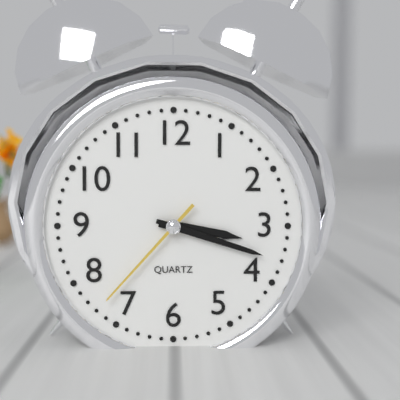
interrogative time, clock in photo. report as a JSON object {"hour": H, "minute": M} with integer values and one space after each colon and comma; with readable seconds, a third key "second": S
{"hour": 3, "minute": 18, "second": 37}
